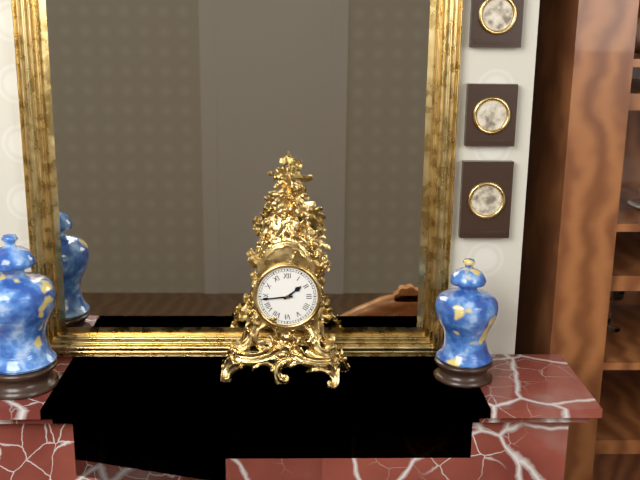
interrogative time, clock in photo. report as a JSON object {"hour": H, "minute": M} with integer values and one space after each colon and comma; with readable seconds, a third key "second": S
{"hour": 1, "minute": 44}
